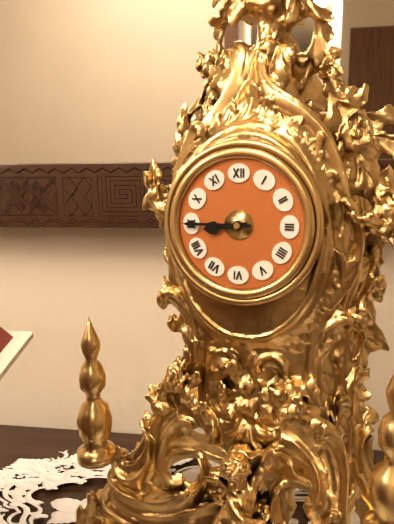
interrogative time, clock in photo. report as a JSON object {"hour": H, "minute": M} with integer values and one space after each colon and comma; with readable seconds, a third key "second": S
{"hour": 8, "minute": 45}
